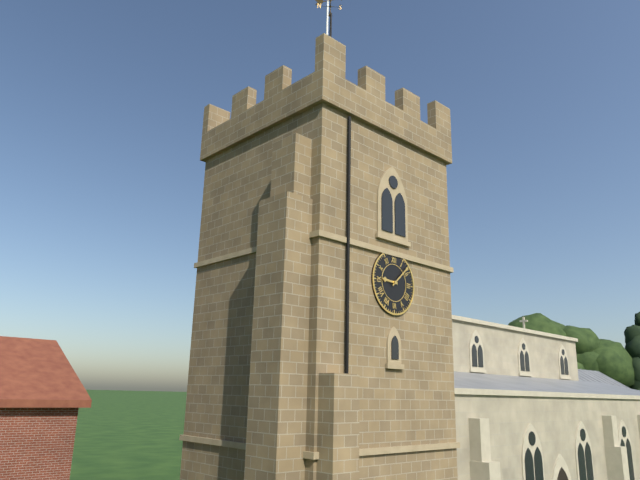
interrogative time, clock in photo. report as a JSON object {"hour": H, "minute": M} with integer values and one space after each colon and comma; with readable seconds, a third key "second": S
{"hour": 9, "minute": 8}
